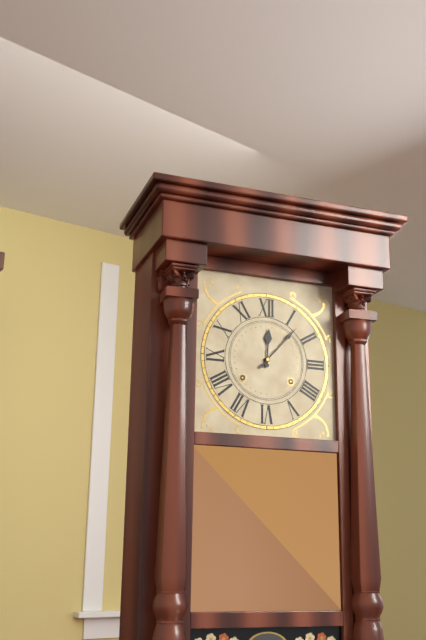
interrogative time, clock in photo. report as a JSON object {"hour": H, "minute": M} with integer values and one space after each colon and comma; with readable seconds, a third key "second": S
{"hour": 12, "minute": 7}
